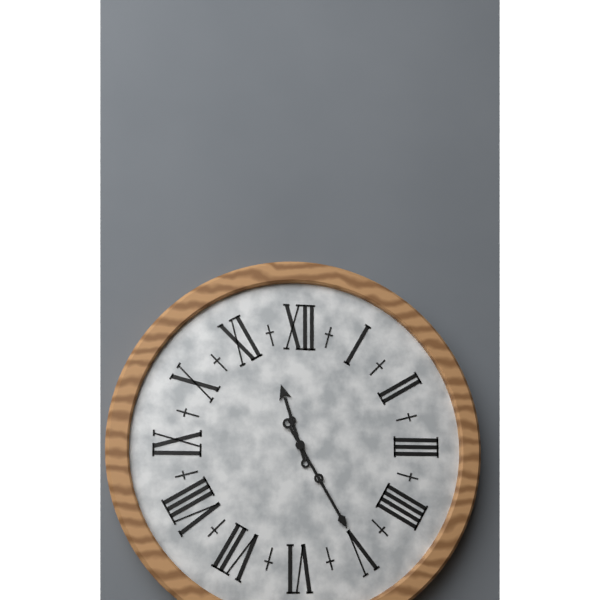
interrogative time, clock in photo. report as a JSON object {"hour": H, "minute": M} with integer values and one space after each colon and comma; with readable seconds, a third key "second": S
{"hour": 11, "minute": 25}
